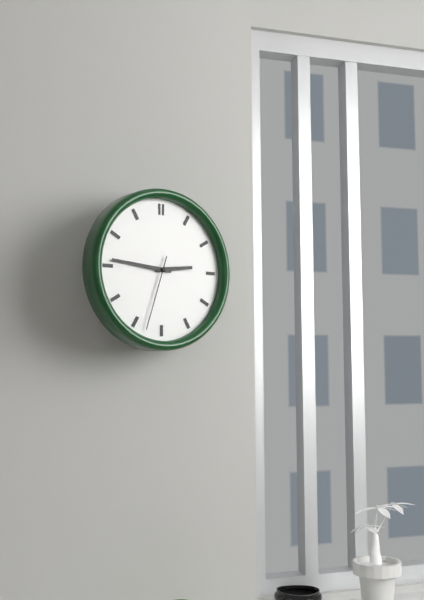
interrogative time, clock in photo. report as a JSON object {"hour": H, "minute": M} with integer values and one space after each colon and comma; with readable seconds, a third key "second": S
{"hour": 2, "minute": 46, "second": 33}
